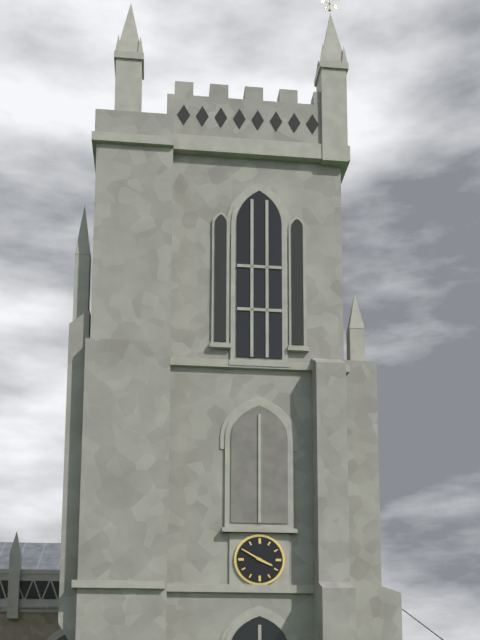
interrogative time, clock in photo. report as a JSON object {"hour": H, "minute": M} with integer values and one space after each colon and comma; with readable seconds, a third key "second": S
{"hour": 3, "minute": 50}
